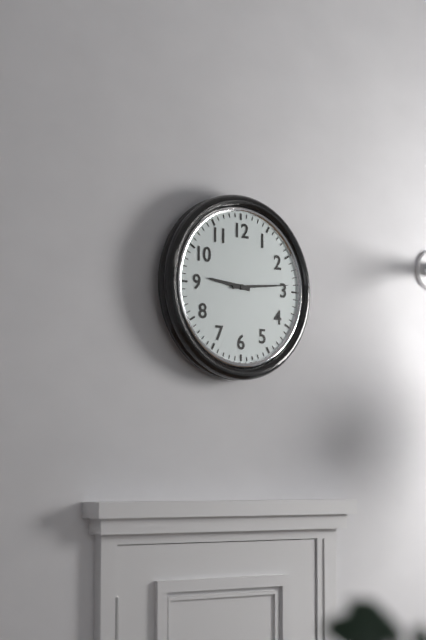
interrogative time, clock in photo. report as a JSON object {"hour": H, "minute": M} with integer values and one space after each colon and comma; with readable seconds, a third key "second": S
{"hour": 9, "minute": 14}
